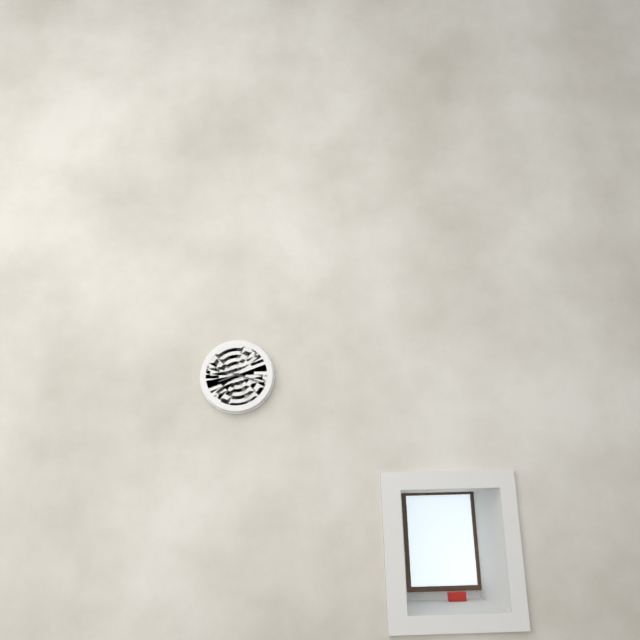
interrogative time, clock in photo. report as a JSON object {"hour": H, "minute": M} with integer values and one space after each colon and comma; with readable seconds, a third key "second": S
{"hour": 8, "minute": 18}
